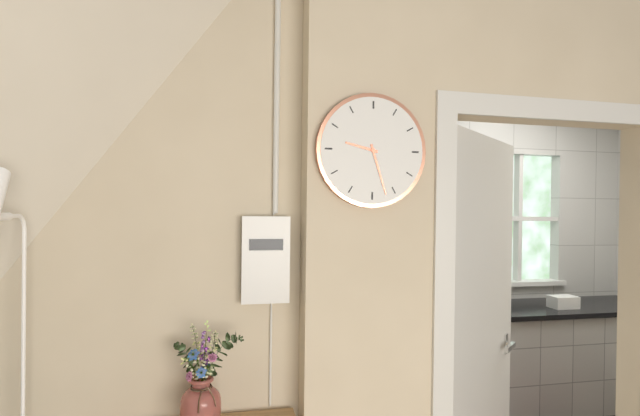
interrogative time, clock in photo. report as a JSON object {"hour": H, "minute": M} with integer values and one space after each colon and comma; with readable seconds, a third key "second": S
{"hour": 9, "minute": 27}
